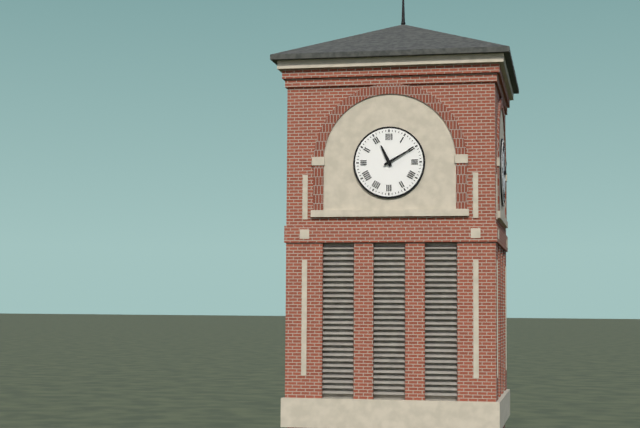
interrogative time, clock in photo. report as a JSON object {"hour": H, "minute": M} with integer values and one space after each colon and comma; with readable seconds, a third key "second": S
{"hour": 11, "minute": 10}
